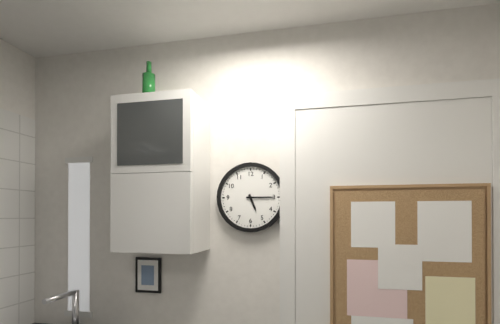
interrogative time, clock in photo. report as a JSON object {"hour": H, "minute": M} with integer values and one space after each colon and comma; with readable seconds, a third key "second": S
{"hour": 5, "minute": 15}
